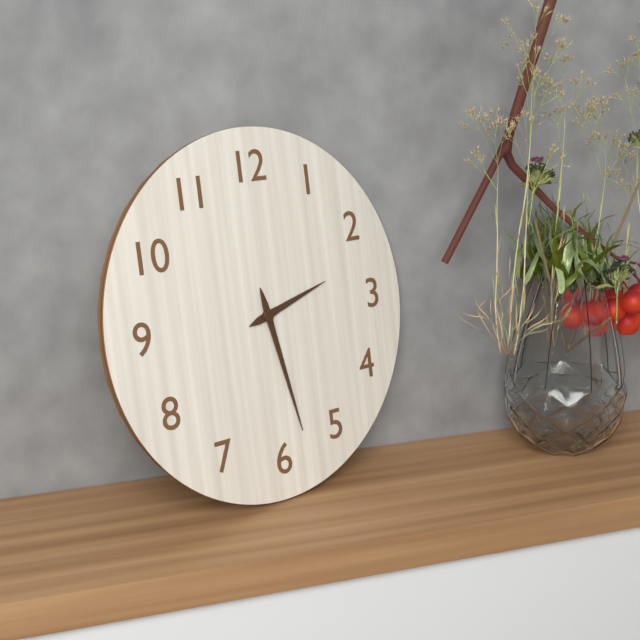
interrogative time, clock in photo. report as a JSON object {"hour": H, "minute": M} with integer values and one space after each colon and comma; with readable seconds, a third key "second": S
{"hour": 2, "minute": 28}
